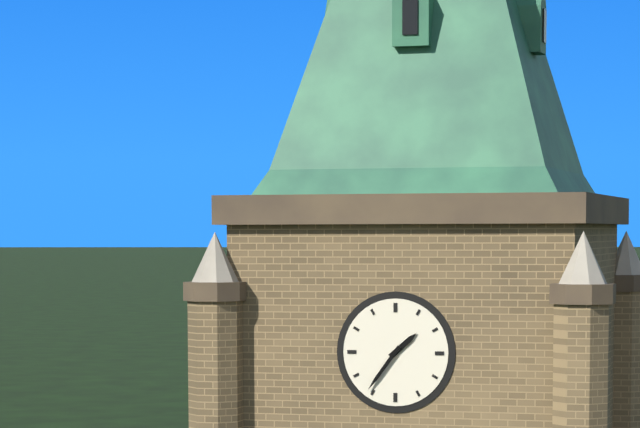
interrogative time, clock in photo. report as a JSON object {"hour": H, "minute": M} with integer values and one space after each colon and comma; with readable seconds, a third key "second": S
{"hour": 1, "minute": 36}
